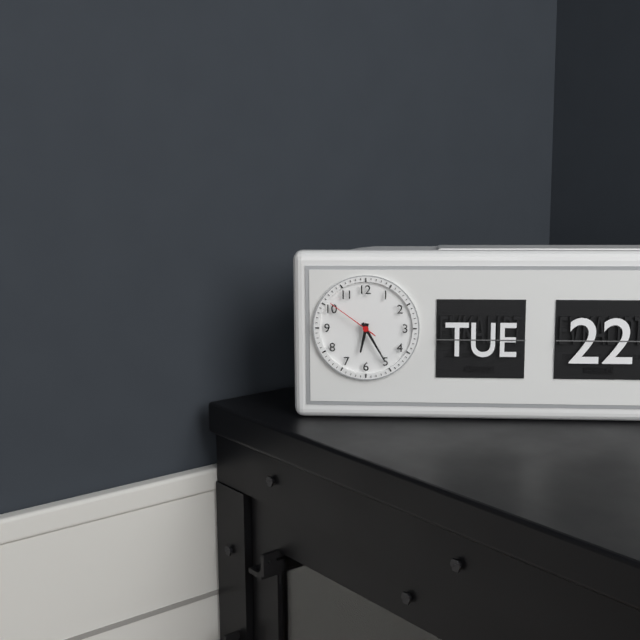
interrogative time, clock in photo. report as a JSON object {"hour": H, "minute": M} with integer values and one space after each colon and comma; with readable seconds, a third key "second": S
{"hour": 6, "minute": 25, "second": 51}
